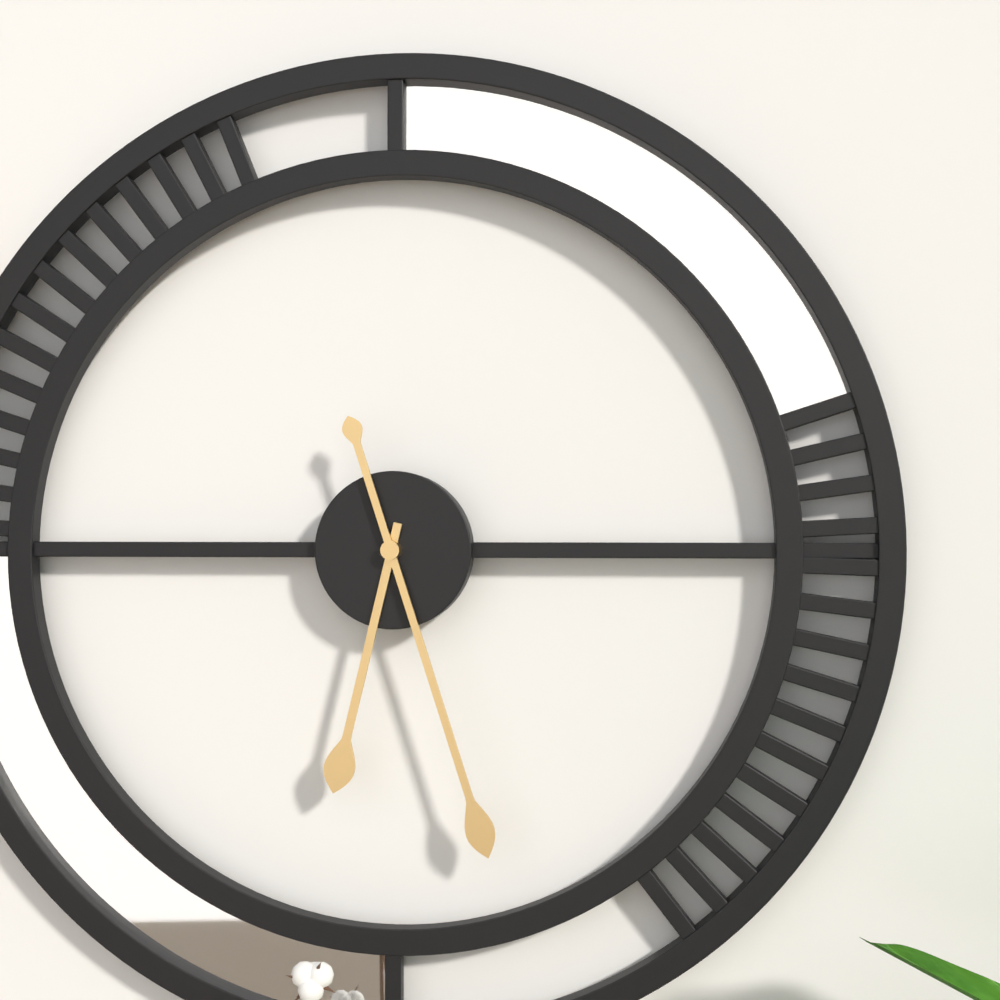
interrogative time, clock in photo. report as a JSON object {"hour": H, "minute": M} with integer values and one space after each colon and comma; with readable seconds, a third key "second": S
{"hour": 6, "minute": 27}
